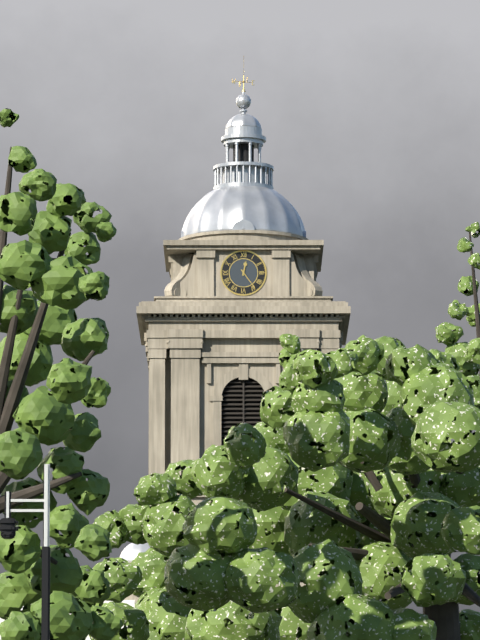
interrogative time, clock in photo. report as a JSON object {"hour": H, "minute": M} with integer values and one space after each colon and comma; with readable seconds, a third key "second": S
{"hour": 12, "minute": 24}
